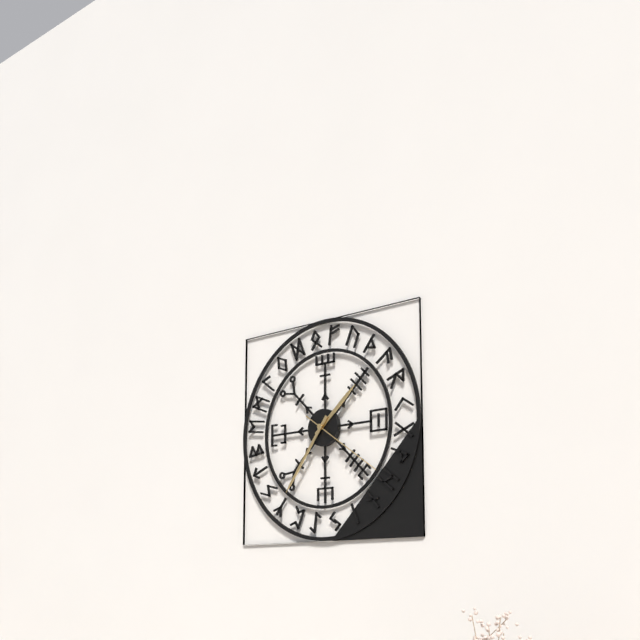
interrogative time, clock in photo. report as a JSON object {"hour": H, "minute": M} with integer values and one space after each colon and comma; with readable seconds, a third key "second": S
{"hour": 1, "minute": 36, "second": 21}
